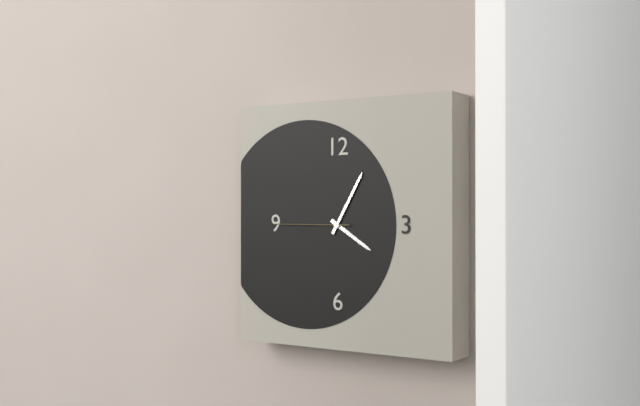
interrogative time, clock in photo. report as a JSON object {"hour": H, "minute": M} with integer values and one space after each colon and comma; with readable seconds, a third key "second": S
{"hour": 4, "minute": 5, "second": 45}
